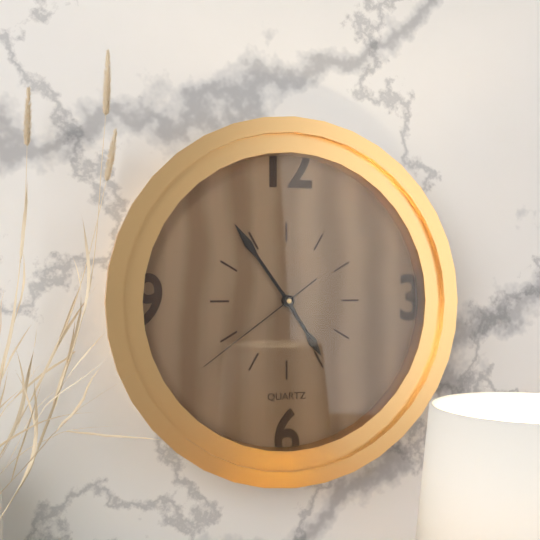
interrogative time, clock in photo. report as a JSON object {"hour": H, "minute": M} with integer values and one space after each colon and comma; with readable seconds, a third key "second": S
{"hour": 4, "minute": 54, "second": 39}
